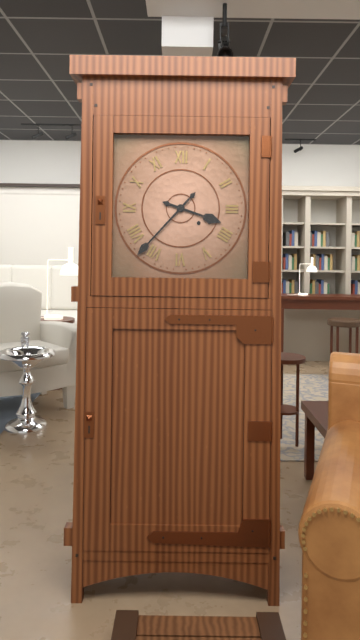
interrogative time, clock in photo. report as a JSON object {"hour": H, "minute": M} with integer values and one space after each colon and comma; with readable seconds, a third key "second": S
{"hour": 3, "minute": 37}
